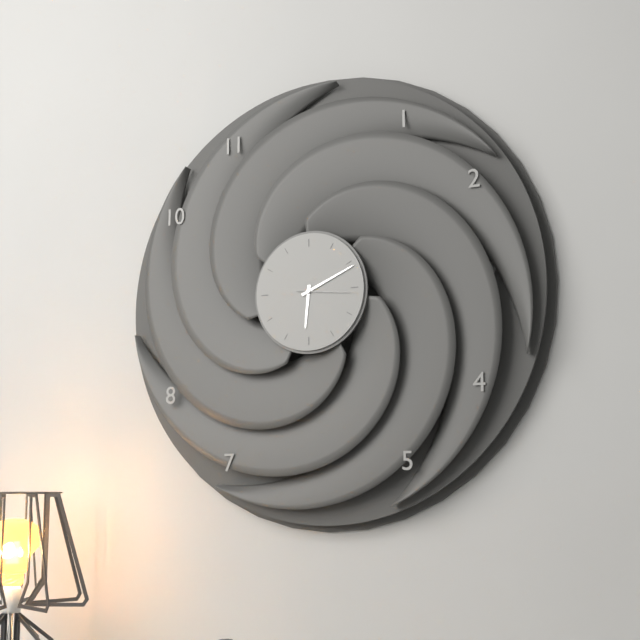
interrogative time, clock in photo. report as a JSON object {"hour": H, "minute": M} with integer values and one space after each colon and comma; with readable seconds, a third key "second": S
{"hour": 6, "minute": 11, "second": 16}
